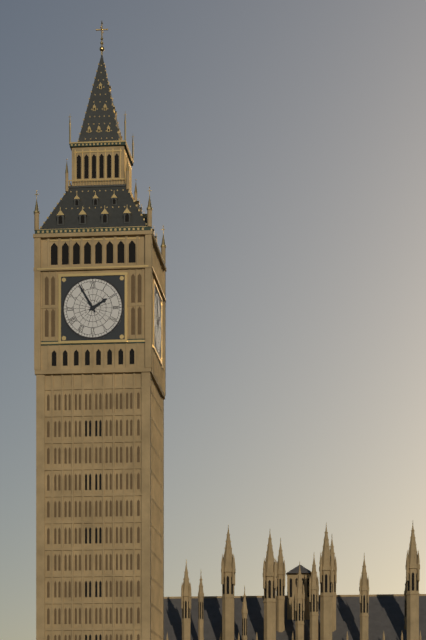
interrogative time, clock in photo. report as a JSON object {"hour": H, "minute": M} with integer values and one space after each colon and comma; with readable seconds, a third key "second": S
{"hour": 1, "minute": 55}
